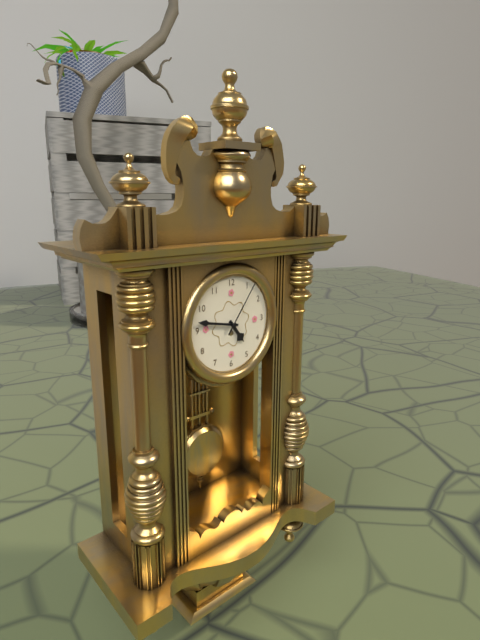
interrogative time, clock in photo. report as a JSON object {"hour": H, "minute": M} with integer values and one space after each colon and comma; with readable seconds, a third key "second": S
{"hour": 4, "minute": 47, "second": 6}
